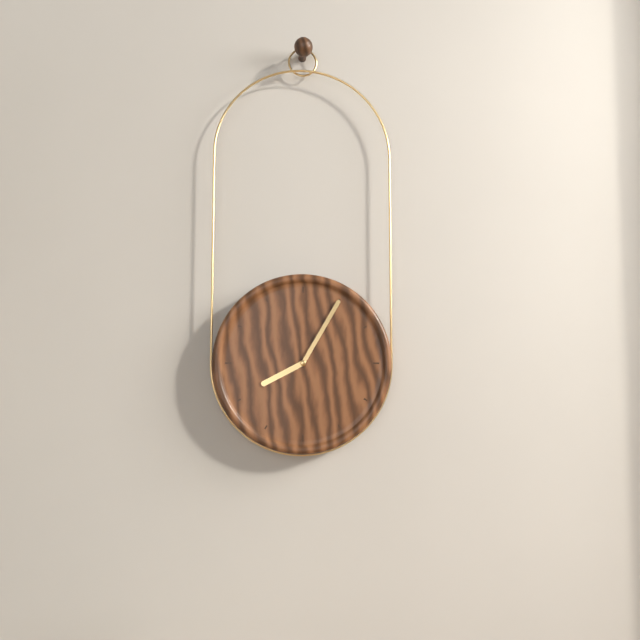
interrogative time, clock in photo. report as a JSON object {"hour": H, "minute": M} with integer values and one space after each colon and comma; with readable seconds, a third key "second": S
{"hour": 8, "minute": 5}
